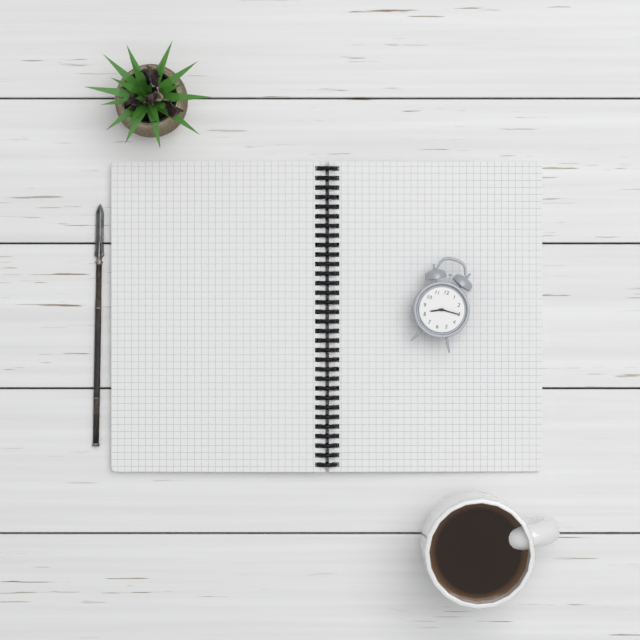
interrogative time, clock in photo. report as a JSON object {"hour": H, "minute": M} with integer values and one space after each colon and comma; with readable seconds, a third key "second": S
{"hour": 8, "minute": 15}
